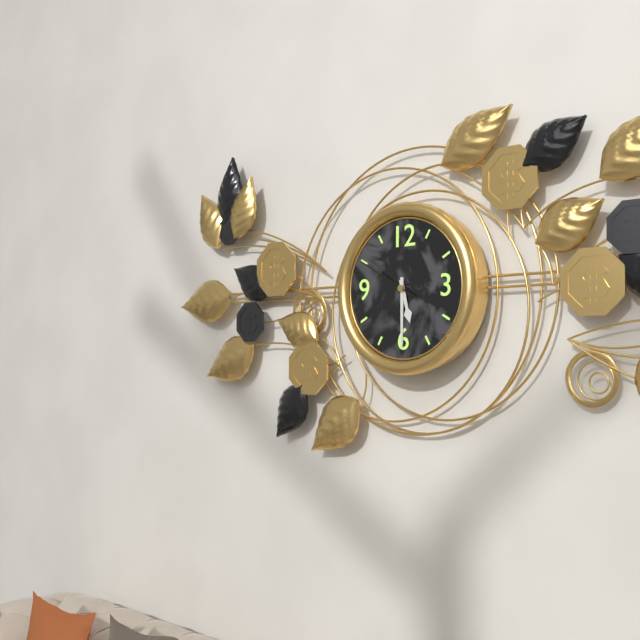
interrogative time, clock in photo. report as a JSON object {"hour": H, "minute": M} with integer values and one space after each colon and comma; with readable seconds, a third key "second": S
{"hour": 5, "minute": 30, "second": 50}
